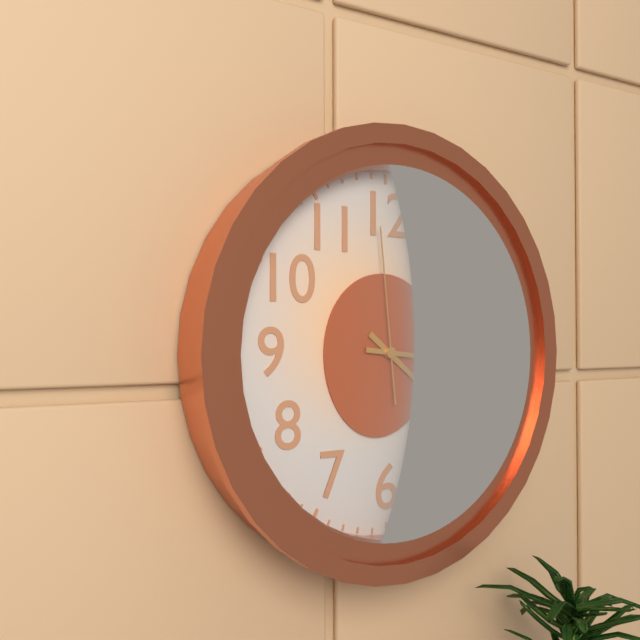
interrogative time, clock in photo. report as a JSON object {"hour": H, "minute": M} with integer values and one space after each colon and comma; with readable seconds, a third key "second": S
{"hour": 4, "minute": 16, "second": 59}
